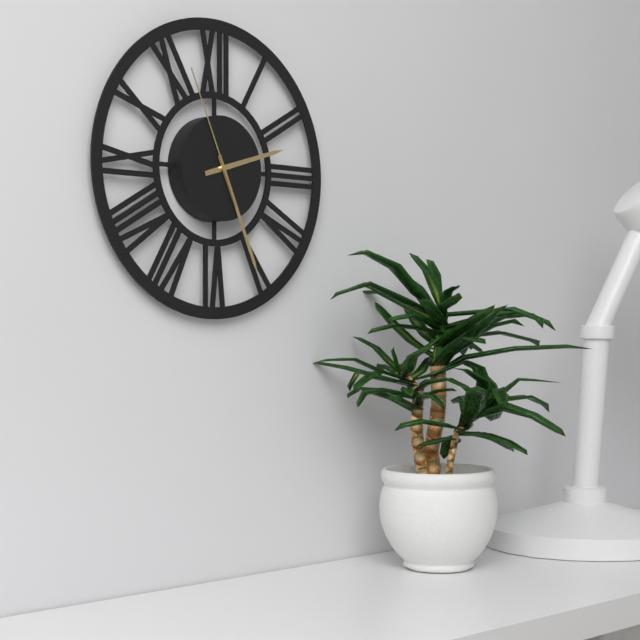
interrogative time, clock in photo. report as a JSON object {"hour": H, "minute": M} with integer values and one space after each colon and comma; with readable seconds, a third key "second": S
{"hour": 2, "minute": 26, "second": 56}
